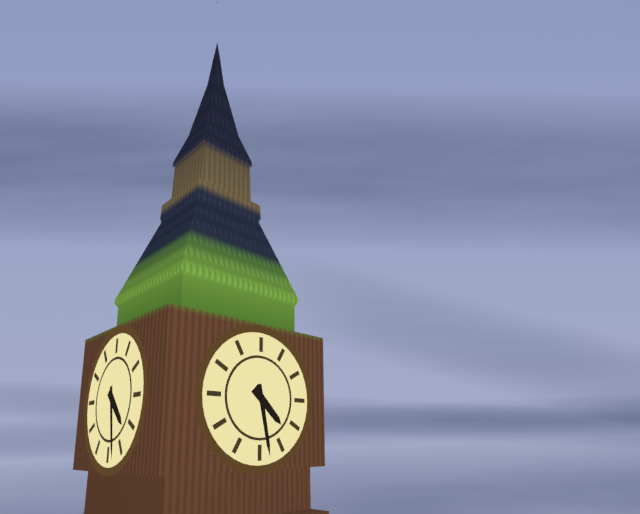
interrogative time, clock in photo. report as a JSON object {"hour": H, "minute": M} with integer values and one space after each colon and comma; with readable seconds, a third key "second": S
{"hour": 4, "minute": 28}
